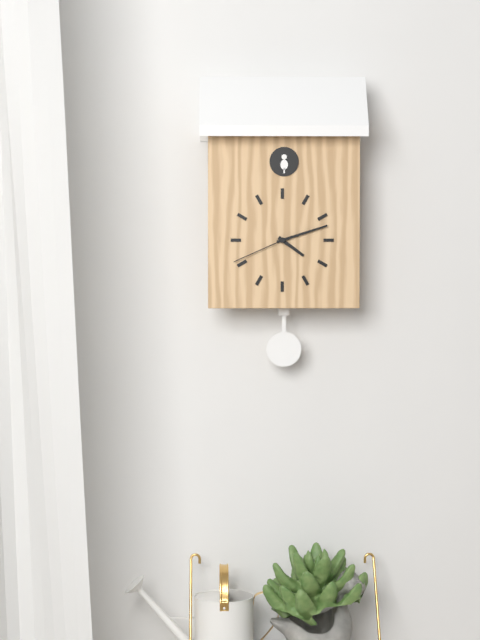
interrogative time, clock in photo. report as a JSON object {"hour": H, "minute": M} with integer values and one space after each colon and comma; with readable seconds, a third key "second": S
{"hour": 4, "minute": 12, "second": 41}
